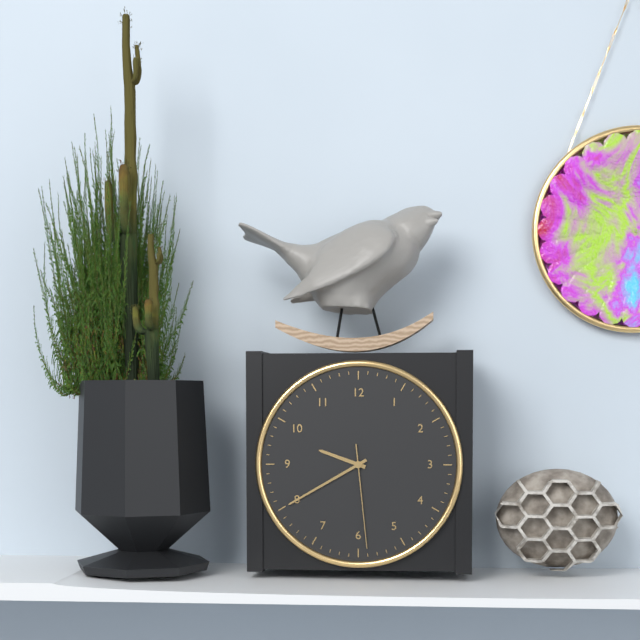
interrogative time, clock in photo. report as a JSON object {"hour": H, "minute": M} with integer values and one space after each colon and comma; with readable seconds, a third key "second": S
{"hour": 9, "minute": 40, "second": 29}
